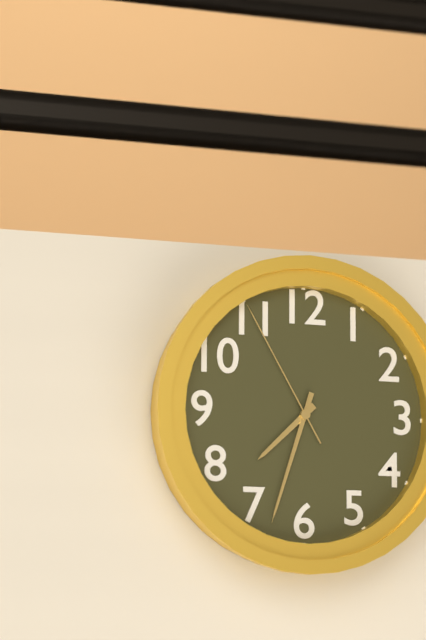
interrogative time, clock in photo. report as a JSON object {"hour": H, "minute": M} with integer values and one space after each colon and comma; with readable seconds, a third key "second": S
{"hour": 7, "minute": 33, "second": 55}
